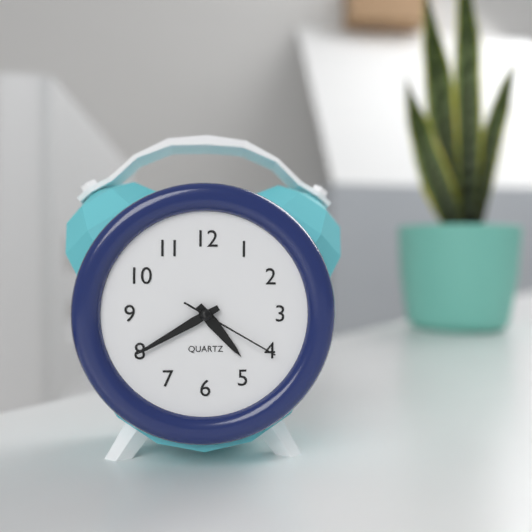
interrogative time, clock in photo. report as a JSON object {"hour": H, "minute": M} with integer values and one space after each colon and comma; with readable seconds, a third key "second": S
{"hour": 4, "minute": 40, "second": 20}
